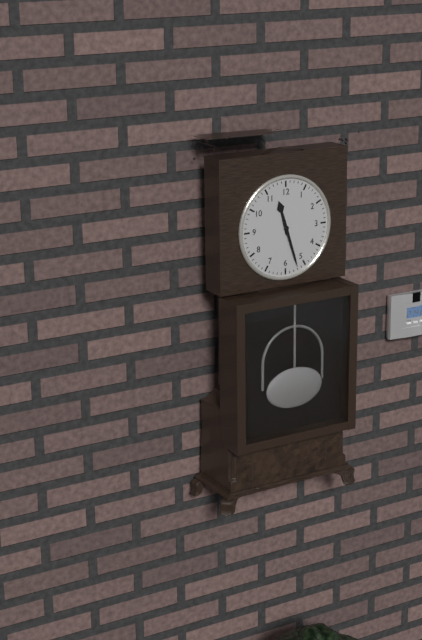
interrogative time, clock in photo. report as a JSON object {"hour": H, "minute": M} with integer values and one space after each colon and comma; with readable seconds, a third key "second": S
{"hour": 11, "minute": 27}
